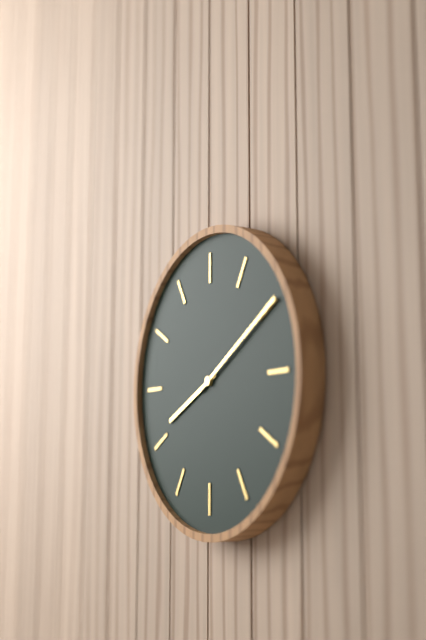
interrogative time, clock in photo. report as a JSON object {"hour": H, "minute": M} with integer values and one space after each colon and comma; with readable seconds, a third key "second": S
{"hour": 8, "minute": 10}
